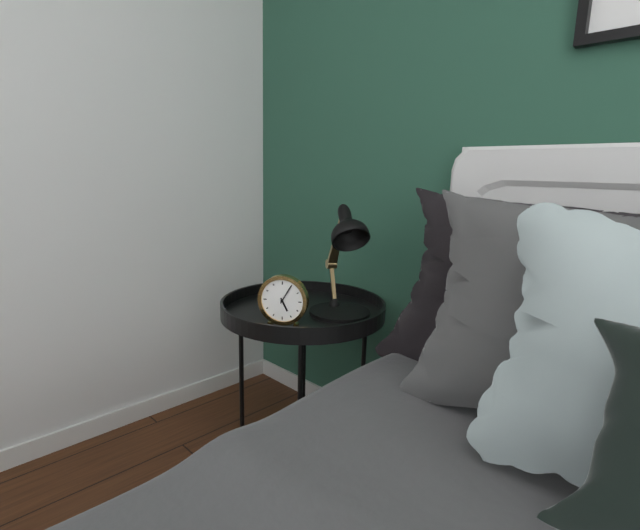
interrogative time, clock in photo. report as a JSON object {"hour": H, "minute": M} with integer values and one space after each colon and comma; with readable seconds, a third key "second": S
{"hour": 5, "minute": 5}
